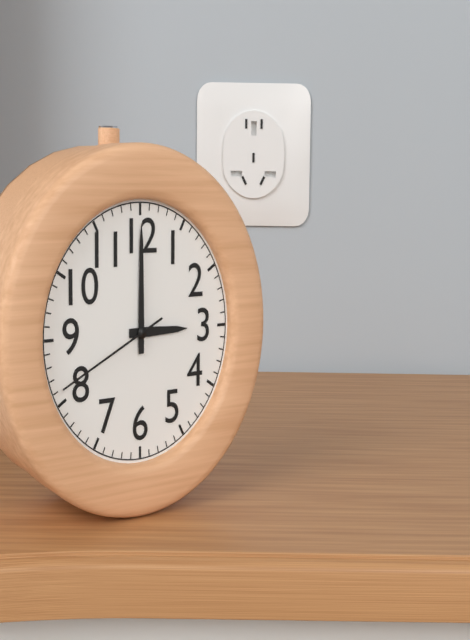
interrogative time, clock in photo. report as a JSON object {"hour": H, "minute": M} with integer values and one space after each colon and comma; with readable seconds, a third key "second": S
{"hour": 3, "minute": 0, "second": 41}
